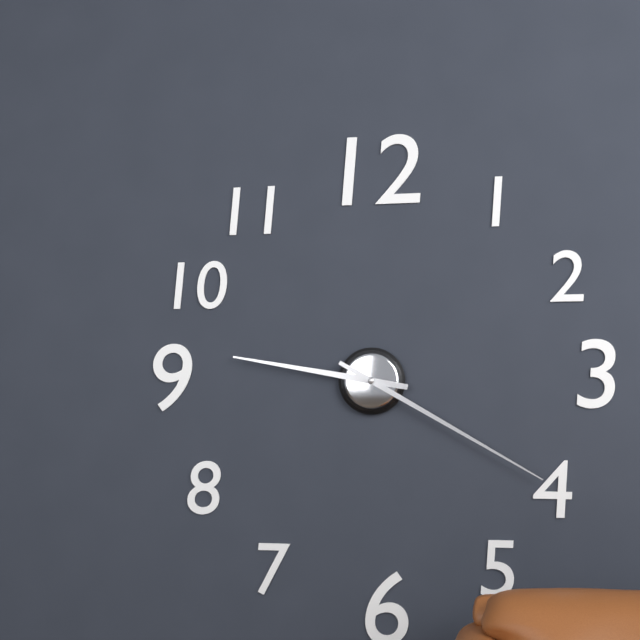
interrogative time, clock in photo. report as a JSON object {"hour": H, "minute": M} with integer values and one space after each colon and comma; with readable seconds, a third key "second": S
{"hour": 9, "minute": 20}
